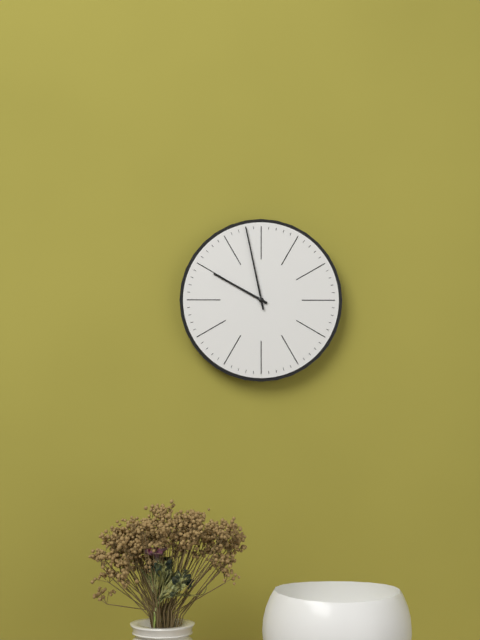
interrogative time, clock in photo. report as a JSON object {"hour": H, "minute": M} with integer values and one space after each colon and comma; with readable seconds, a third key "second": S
{"hour": 9, "minute": 58}
